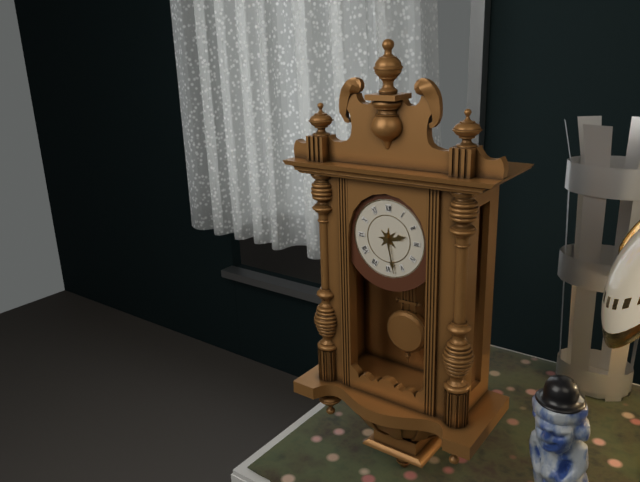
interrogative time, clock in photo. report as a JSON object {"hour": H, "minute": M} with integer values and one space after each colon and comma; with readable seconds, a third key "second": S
{"hour": 2, "minute": 28}
